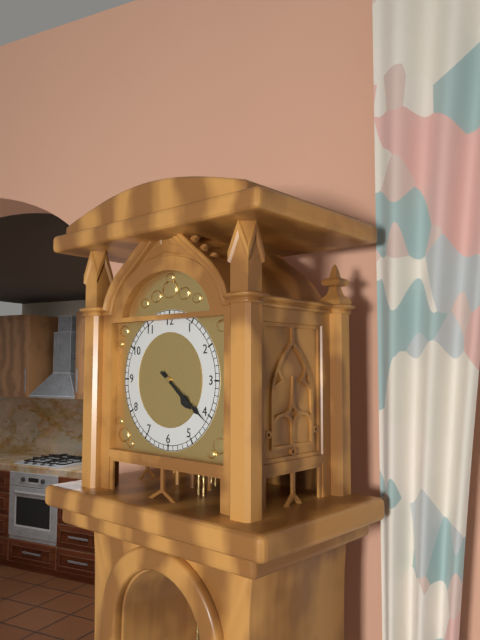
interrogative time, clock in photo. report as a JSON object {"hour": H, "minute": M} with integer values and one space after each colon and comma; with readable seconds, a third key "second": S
{"hour": 4, "minute": 21}
